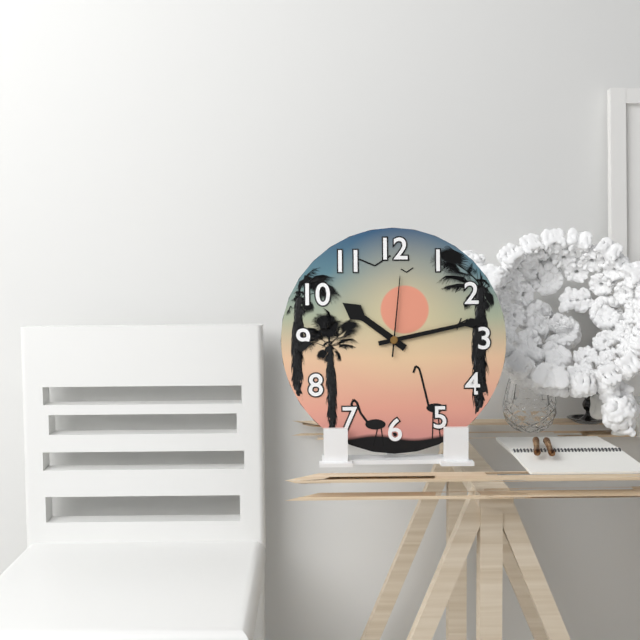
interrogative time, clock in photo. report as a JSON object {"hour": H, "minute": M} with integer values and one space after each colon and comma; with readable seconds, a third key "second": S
{"hour": 10, "minute": 13, "second": 1}
